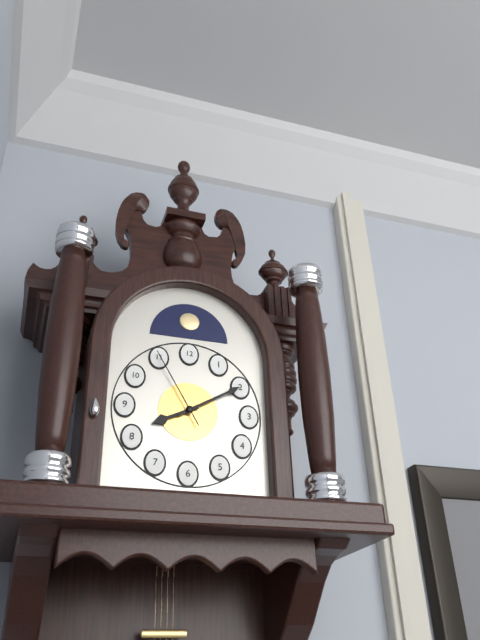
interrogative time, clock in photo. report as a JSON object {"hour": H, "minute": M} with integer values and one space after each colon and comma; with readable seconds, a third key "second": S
{"hour": 8, "minute": 10, "second": 55}
